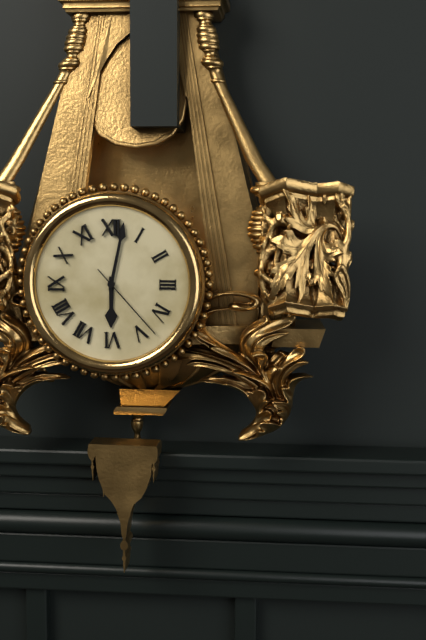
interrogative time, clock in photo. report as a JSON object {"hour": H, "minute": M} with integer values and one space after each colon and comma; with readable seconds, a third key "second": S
{"hour": 6, "minute": 2, "second": 23}
